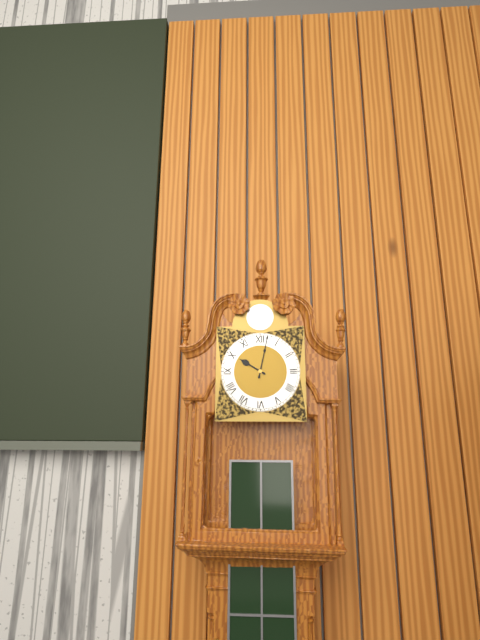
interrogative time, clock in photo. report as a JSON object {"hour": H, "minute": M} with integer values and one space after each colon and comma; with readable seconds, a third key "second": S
{"hour": 10, "minute": 2}
